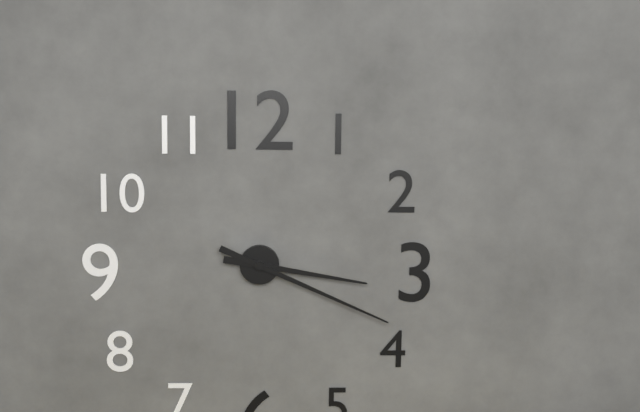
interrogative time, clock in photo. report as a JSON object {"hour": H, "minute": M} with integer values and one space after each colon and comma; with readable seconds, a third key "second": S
{"hour": 3, "minute": 19}
